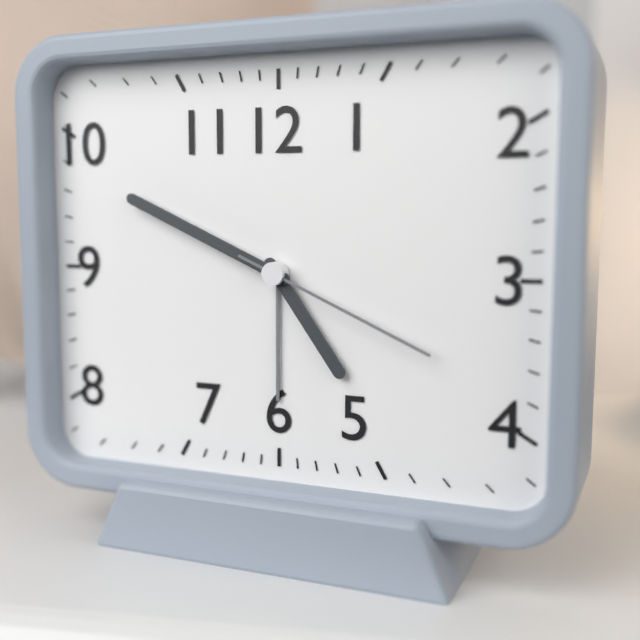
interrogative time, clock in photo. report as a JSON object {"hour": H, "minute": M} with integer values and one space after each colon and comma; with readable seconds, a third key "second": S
{"hour": 4, "minute": 49, "second": 19}
